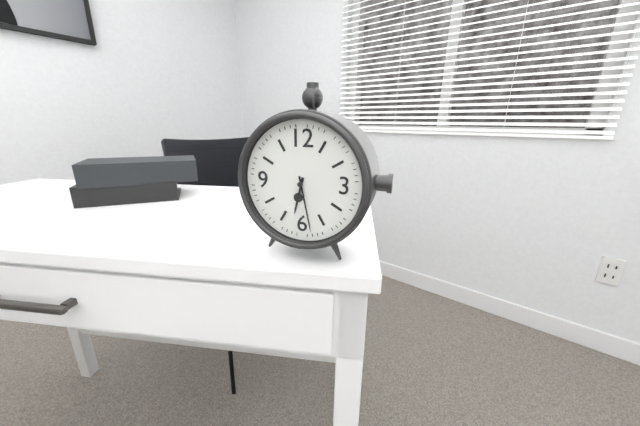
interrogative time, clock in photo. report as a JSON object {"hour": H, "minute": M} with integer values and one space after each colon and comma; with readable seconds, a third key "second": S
{"hour": 6, "minute": 28}
